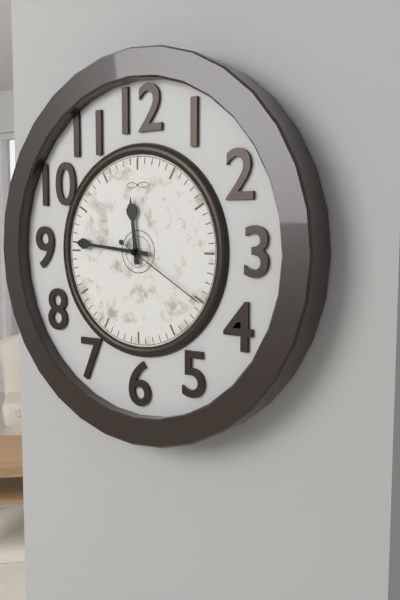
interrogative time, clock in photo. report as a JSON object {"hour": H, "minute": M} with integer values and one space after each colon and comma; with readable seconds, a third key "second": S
{"hour": 11, "minute": 46, "second": 20}
